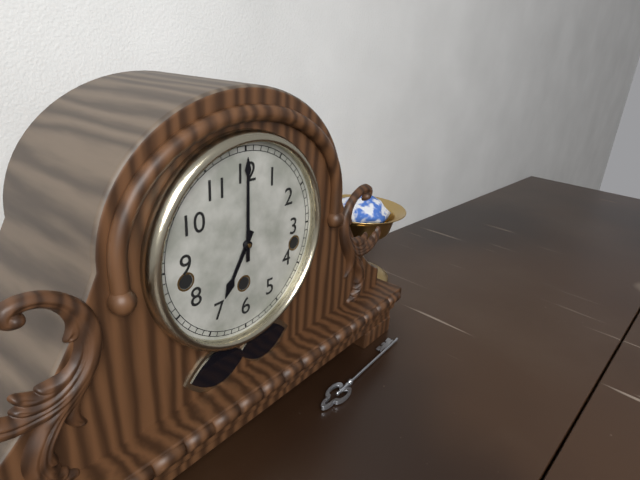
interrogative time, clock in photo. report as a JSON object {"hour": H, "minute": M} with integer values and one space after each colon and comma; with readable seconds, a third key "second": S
{"hour": 7, "minute": 0}
